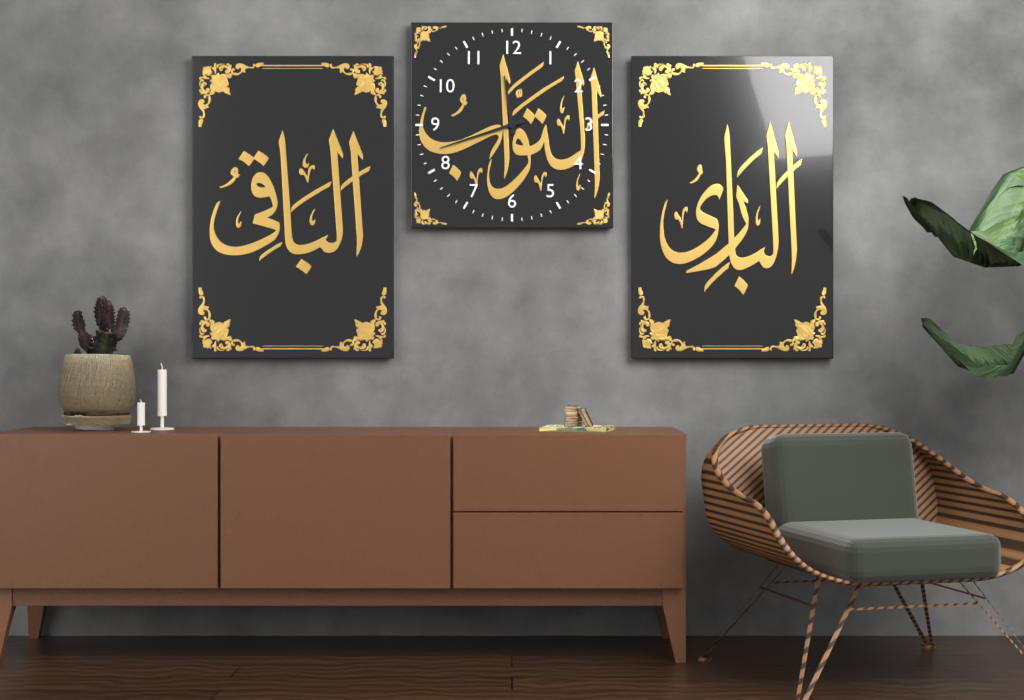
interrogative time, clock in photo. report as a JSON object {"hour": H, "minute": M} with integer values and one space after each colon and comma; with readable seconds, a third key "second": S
{"hour": 11, "minute": 42}
